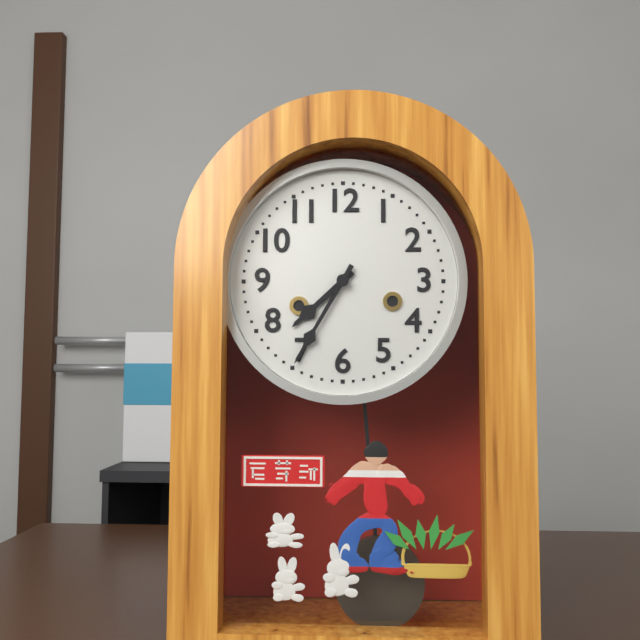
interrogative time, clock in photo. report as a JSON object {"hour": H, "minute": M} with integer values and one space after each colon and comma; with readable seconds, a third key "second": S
{"hour": 7, "minute": 35}
